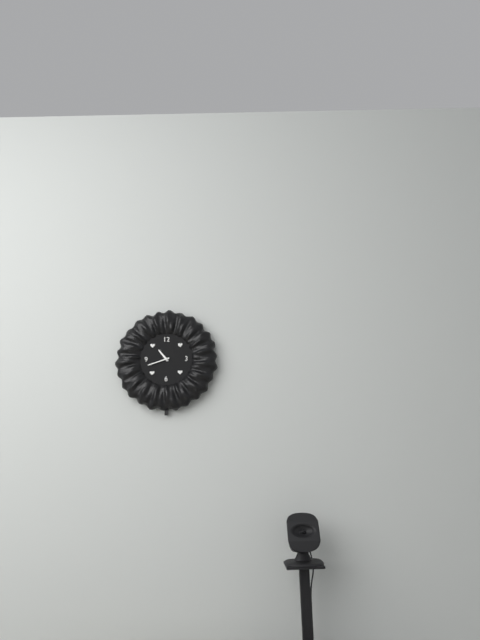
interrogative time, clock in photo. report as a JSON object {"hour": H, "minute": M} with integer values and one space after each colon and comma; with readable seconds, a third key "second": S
{"hour": 10, "minute": 42}
